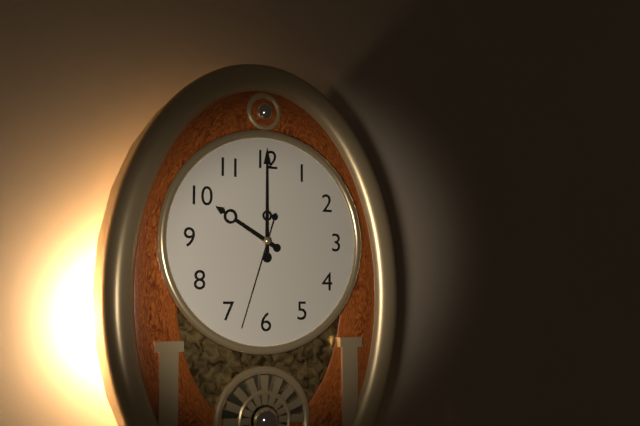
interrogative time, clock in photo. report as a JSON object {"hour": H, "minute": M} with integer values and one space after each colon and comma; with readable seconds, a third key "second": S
{"hour": 10, "minute": 0, "second": 33}
